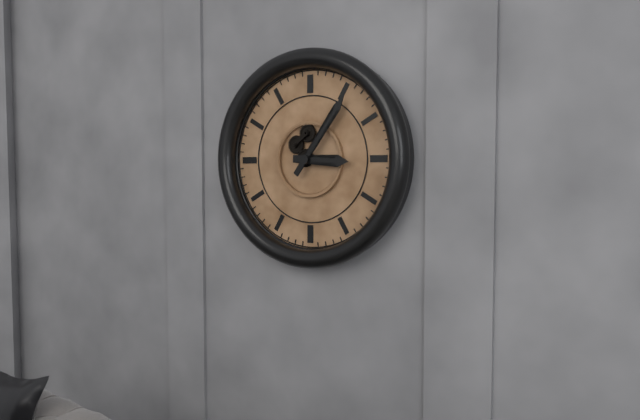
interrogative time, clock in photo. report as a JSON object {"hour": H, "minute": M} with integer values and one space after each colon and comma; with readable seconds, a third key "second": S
{"hour": 3, "minute": 6}
